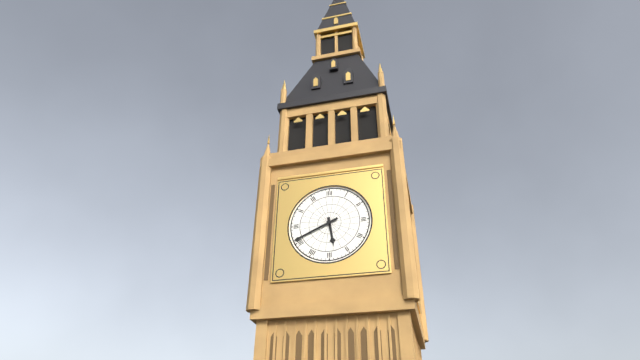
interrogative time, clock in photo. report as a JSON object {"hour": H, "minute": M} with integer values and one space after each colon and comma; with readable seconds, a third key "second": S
{"hour": 5, "minute": 41}
